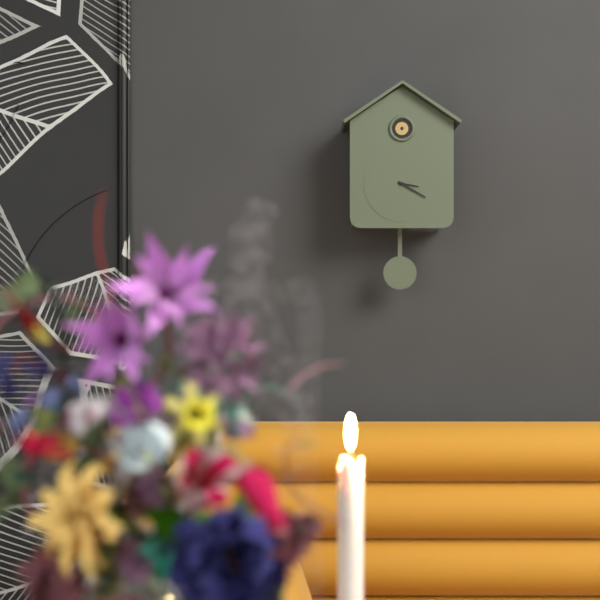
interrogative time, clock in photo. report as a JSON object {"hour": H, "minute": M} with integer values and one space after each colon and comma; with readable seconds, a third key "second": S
{"hour": 3, "minute": 20}
